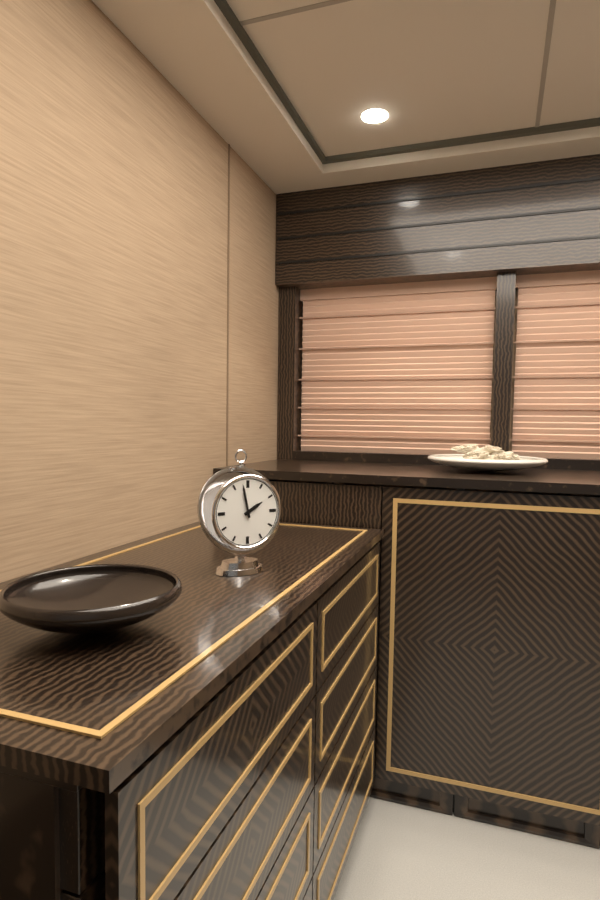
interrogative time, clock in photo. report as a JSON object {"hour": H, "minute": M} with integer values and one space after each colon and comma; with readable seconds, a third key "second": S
{"hour": 1, "minute": 58}
